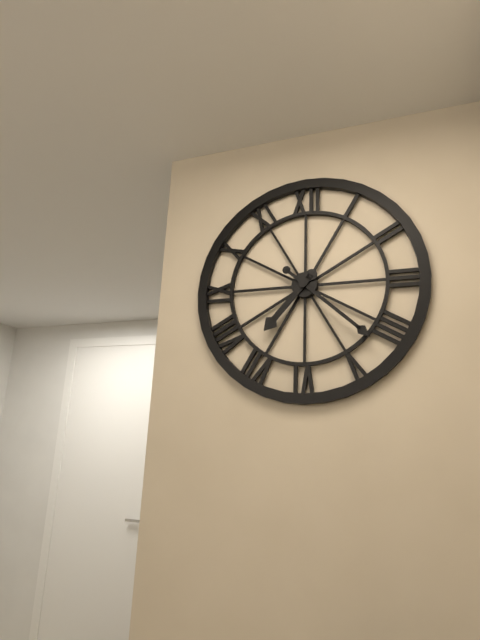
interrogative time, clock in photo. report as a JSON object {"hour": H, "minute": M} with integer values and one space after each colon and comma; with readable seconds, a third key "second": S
{"hour": 7, "minute": 22}
